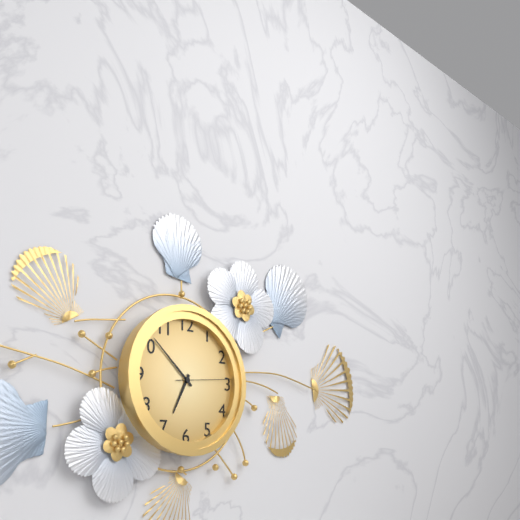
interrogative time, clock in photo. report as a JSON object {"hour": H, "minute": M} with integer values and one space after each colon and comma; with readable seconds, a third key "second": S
{"hour": 6, "minute": 52, "second": 14}
